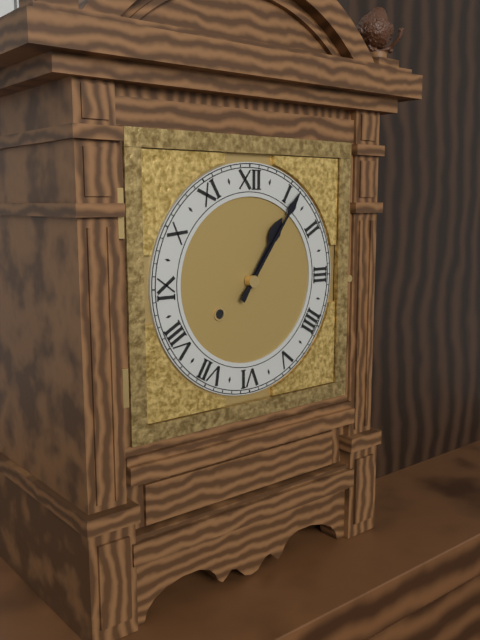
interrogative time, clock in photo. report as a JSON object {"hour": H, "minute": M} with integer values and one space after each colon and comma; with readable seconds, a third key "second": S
{"hour": 1, "minute": 6}
